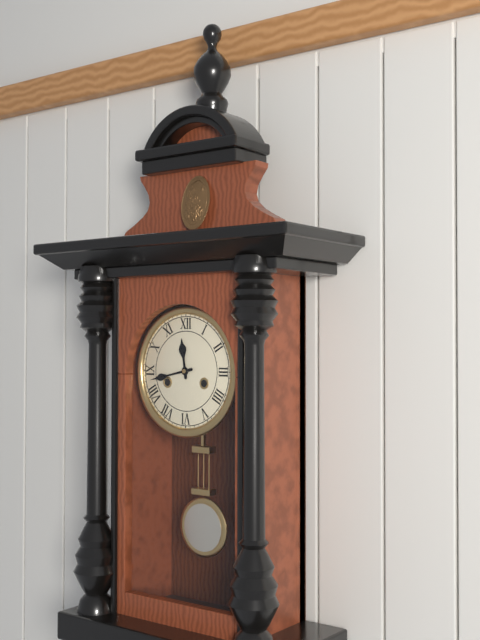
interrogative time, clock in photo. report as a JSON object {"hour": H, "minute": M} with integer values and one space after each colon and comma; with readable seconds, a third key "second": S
{"hour": 11, "minute": 43}
